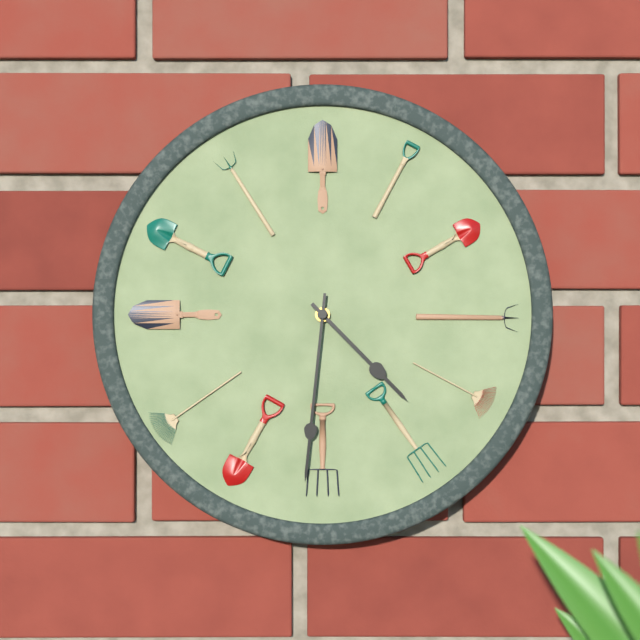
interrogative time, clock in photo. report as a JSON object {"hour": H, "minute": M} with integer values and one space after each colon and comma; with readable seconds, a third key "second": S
{"hour": 4, "minute": 31}
